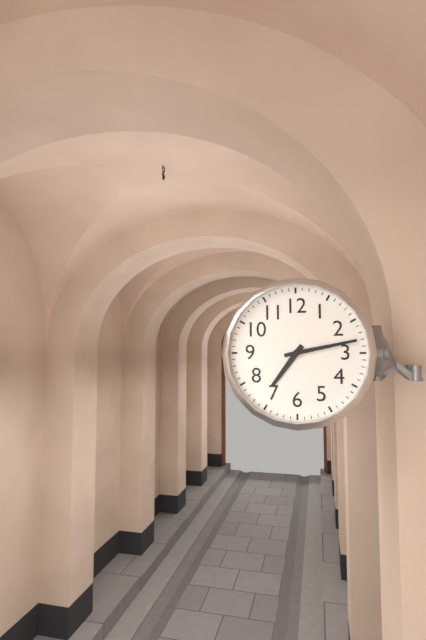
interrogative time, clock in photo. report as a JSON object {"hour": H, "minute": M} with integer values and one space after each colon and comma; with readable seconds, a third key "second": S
{"hour": 7, "minute": 13}
